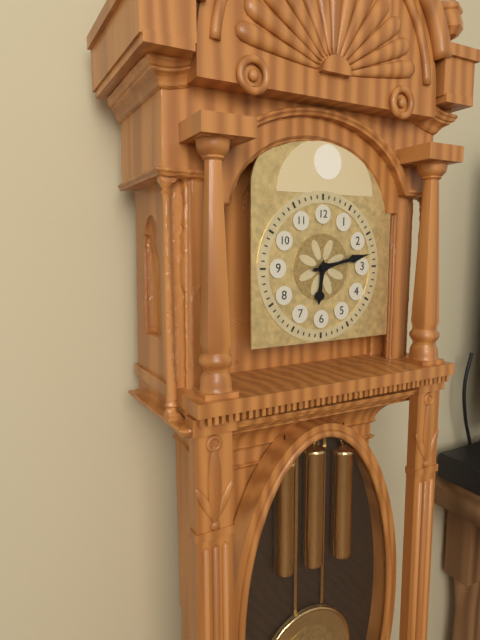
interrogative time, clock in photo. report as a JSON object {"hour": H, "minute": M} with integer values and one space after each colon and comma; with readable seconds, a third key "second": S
{"hour": 6, "minute": 13}
